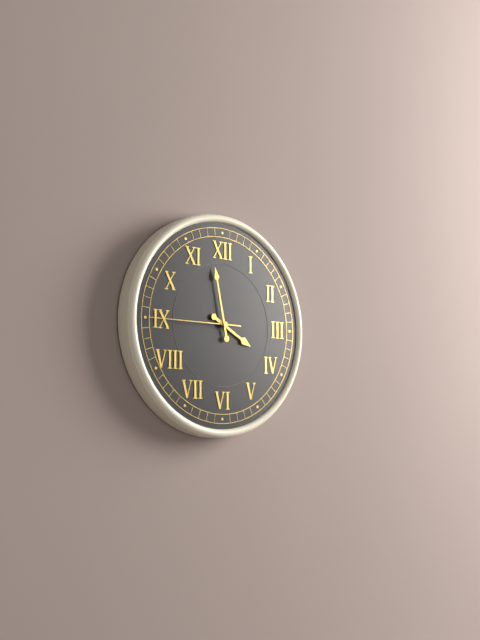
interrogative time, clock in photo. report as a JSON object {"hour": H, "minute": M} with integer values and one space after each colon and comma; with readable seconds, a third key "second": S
{"hour": 3, "minute": 58, "second": 45}
